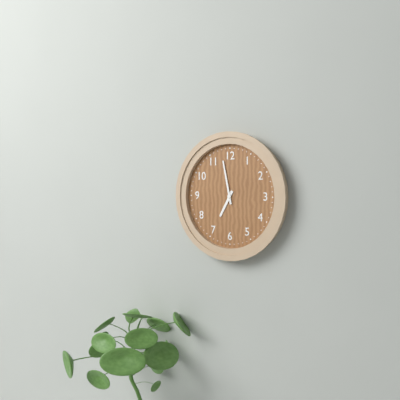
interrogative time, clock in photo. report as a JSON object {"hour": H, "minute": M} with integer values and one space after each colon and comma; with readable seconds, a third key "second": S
{"hour": 6, "minute": 58}
